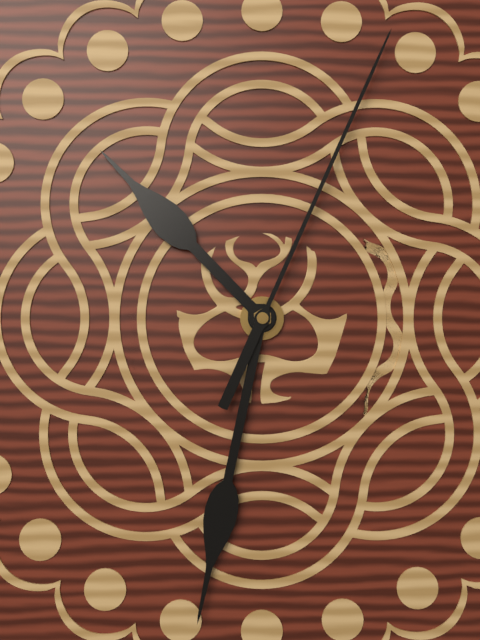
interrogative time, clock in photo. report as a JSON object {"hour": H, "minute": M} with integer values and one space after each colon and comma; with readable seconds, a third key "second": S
{"hour": 10, "minute": 32, "second": 4}
